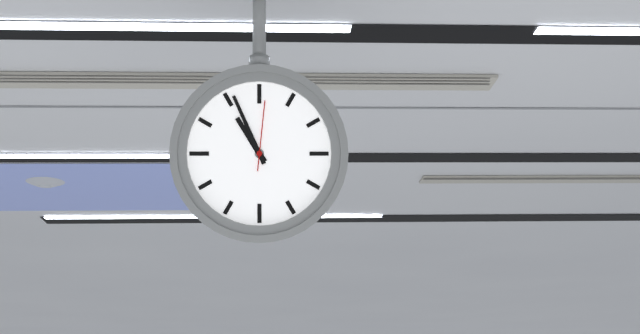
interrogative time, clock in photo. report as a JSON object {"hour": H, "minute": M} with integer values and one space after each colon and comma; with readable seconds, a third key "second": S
{"hour": 10, "minute": 56, "second": 1}
